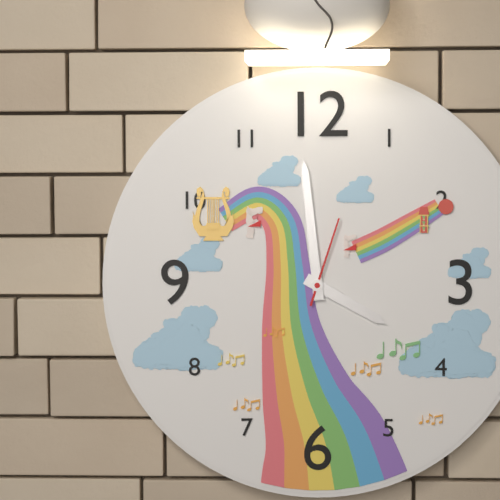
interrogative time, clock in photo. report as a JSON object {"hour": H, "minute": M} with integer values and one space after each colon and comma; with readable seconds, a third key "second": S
{"hour": 3, "minute": 59, "second": 3}
